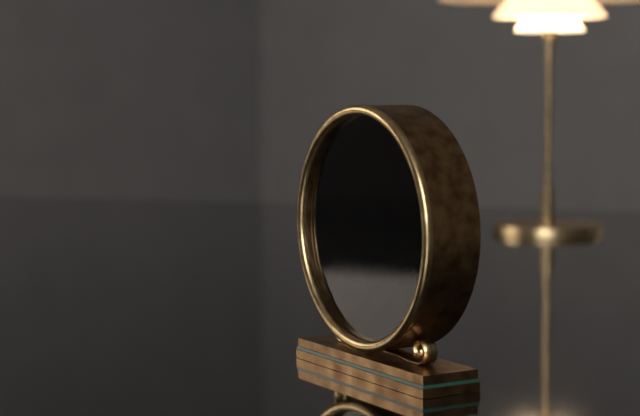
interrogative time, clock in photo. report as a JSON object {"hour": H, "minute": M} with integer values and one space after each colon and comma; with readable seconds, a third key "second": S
{"hour": 10, "minute": 35}
